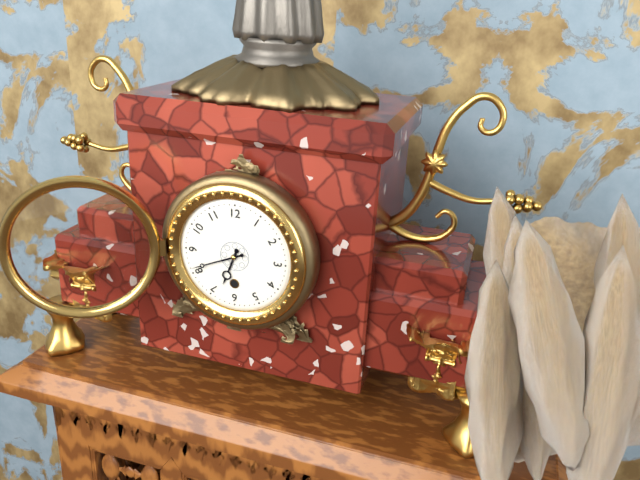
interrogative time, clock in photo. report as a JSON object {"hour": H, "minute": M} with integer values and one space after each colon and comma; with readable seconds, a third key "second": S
{"hour": 6, "minute": 41}
